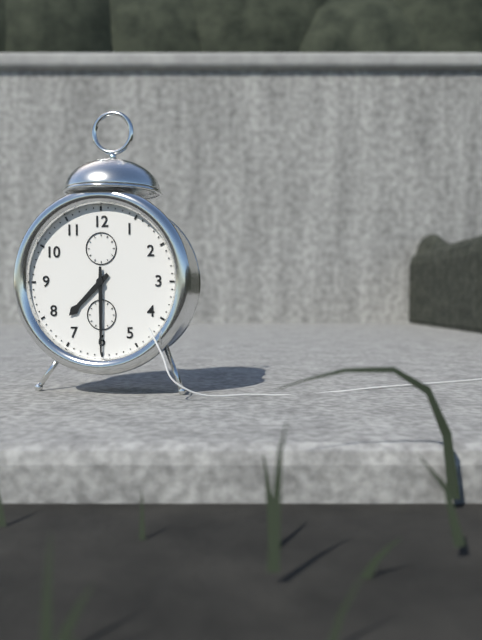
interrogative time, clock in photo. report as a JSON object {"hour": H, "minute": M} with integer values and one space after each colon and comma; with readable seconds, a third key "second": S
{"hour": 7, "minute": 30}
